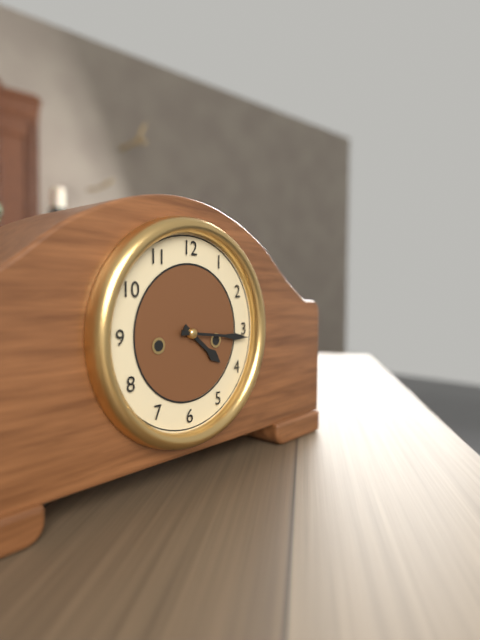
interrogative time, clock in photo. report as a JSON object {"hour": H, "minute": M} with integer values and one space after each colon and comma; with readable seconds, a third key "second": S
{"hour": 4, "minute": 16}
